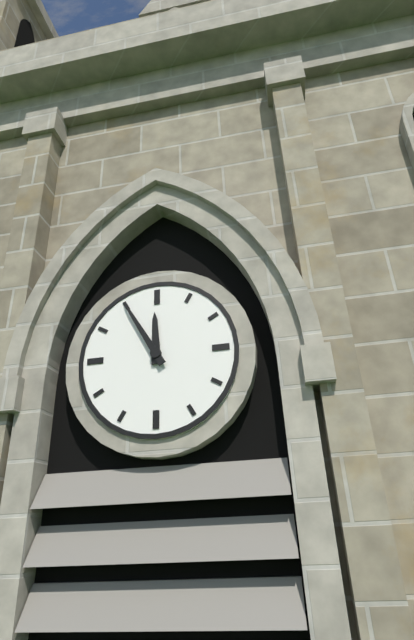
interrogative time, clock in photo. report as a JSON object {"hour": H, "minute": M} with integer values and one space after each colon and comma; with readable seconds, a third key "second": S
{"hour": 11, "minute": 55}
